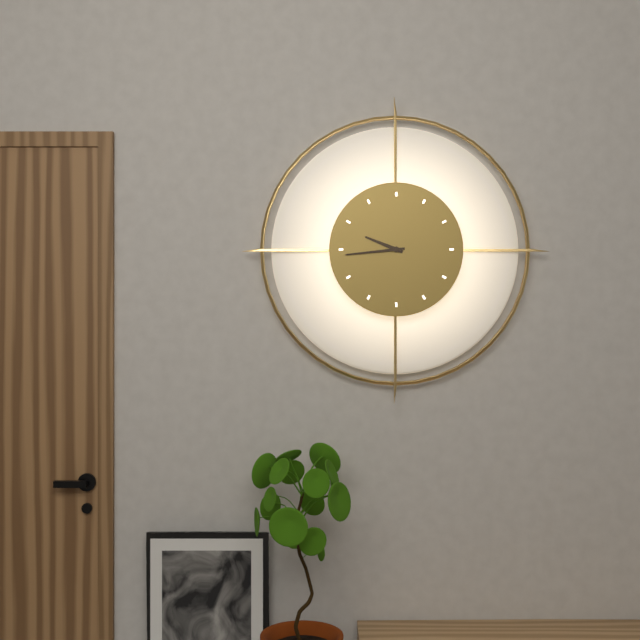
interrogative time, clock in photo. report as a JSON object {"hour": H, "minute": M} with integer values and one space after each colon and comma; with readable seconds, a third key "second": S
{"hour": 9, "minute": 44}
